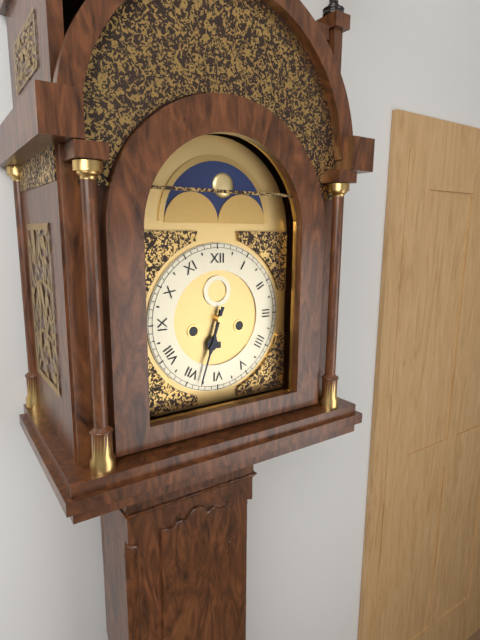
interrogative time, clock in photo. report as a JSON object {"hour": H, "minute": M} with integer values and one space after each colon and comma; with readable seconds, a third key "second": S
{"hour": 6, "minute": 33}
